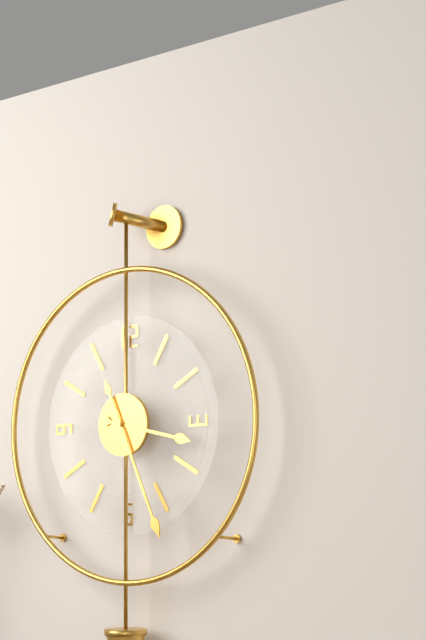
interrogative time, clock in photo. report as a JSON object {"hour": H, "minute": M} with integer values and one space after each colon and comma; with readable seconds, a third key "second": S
{"hour": 3, "minute": 26}
